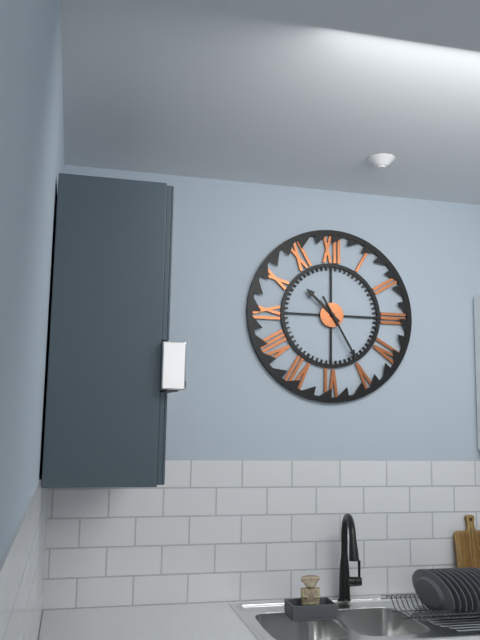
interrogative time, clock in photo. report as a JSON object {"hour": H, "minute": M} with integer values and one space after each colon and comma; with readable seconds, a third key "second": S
{"hour": 10, "minute": 25}
